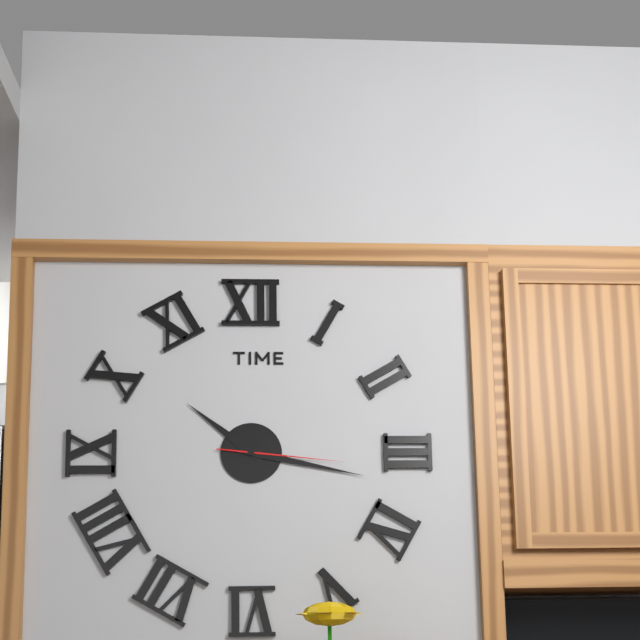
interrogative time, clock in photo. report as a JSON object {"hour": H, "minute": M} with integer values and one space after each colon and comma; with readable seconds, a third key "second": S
{"hour": 10, "minute": 17, "second": 16}
